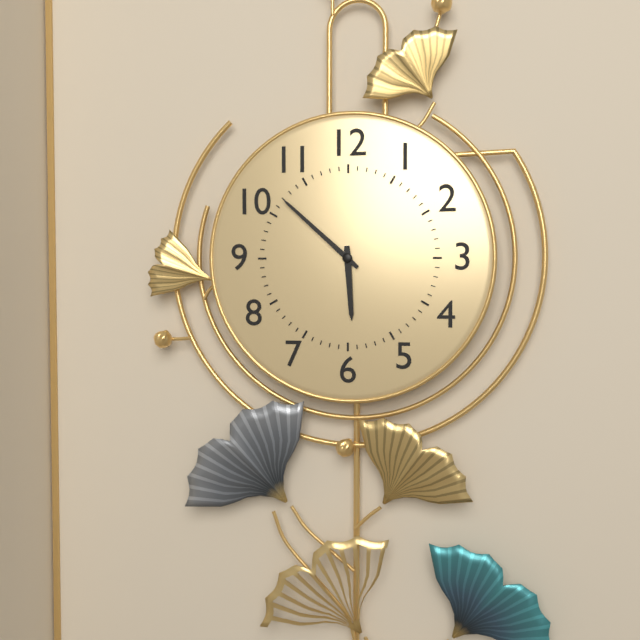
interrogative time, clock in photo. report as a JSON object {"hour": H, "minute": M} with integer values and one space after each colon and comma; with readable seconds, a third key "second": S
{"hour": 5, "minute": 52}
